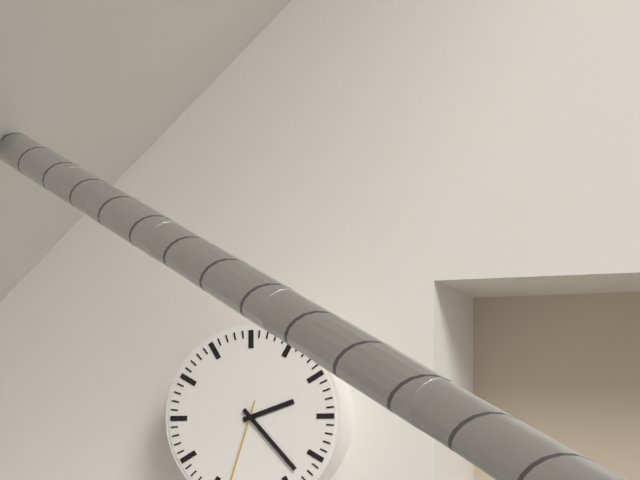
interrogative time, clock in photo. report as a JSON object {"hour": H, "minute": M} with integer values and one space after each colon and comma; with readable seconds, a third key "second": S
{"hour": 2, "minute": 23}
